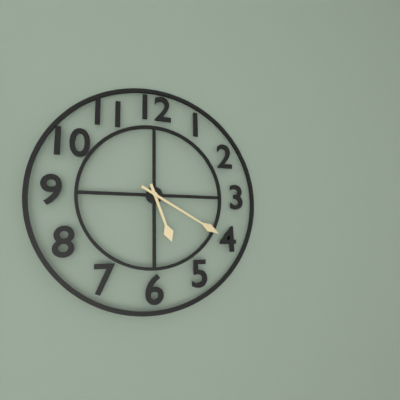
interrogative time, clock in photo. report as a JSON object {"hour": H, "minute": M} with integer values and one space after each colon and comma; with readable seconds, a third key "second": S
{"hour": 5, "minute": 20}
